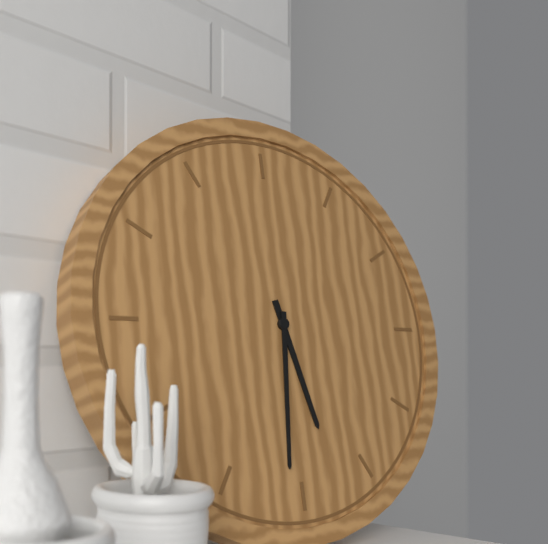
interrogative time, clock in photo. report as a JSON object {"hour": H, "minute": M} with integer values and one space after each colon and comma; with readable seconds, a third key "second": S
{"hour": 5, "minute": 31}
